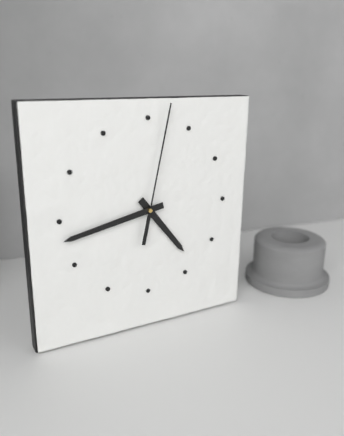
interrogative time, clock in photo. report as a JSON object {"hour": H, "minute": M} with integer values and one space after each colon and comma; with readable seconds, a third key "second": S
{"hour": 4, "minute": 43, "second": 2}
